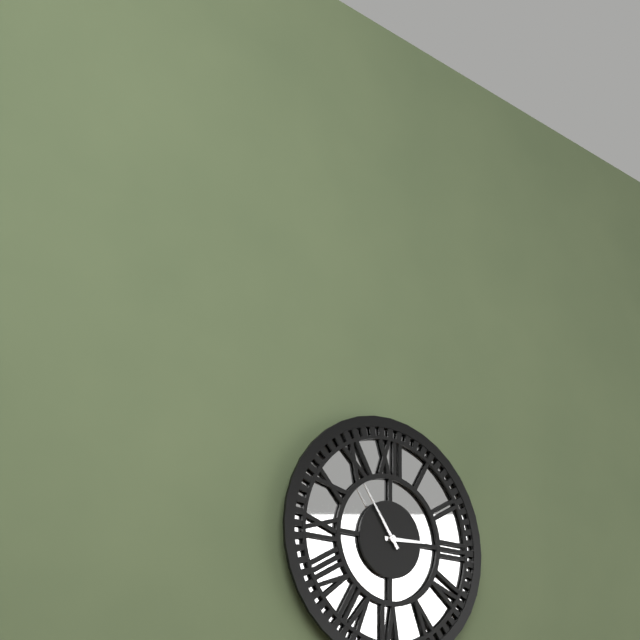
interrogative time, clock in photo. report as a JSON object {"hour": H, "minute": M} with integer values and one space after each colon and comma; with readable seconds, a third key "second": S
{"hour": 2, "minute": 54}
